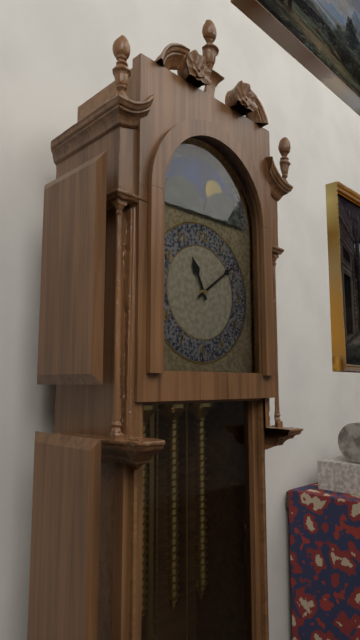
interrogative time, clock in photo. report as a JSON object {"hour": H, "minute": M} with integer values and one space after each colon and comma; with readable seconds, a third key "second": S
{"hour": 11, "minute": 9}
